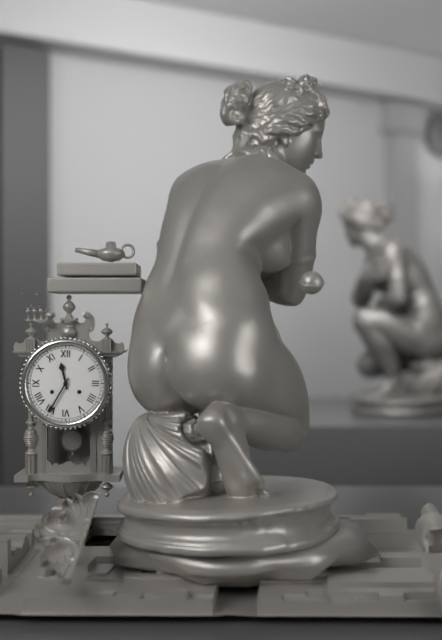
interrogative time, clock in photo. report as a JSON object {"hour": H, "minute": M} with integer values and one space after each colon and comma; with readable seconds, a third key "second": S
{"hour": 11, "minute": 35}
